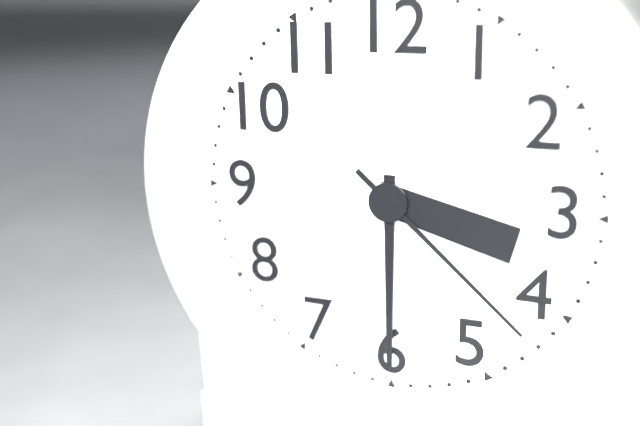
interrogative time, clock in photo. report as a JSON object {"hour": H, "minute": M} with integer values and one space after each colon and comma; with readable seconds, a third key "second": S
{"hour": 3, "minute": 30, "second": 22}
